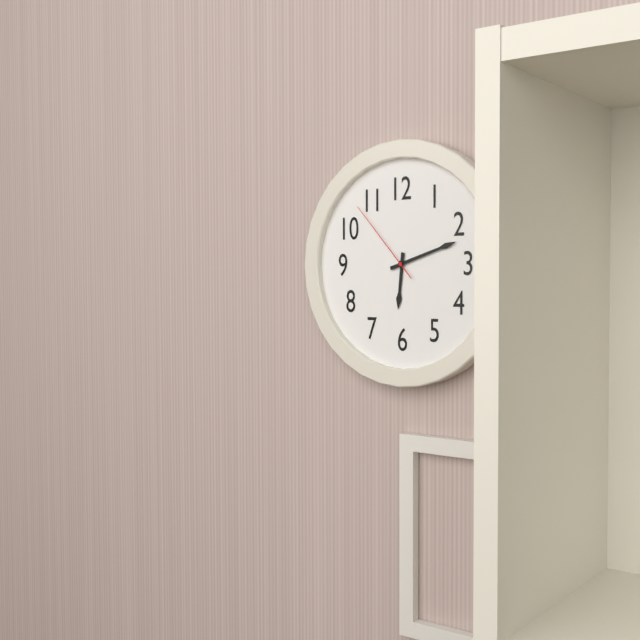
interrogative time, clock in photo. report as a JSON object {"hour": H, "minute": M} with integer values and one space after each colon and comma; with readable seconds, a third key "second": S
{"hour": 6, "minute": 12, "second": 53}
